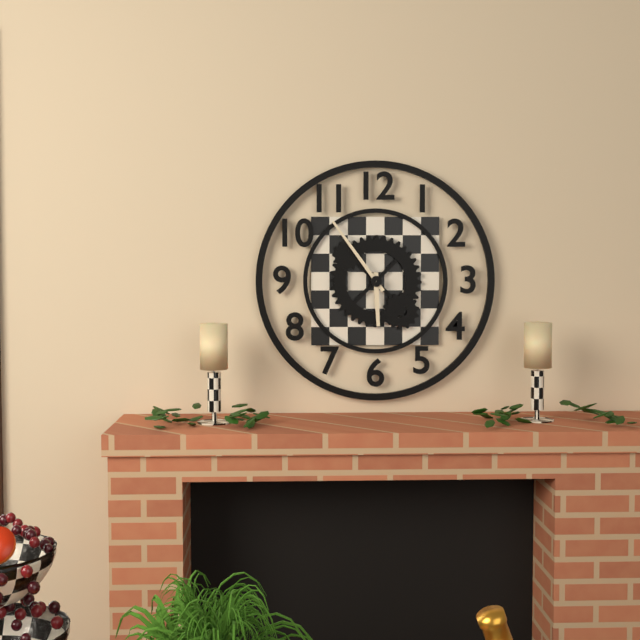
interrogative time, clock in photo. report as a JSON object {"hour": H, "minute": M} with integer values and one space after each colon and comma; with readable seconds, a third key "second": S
{"hour": 5, "minute": 54}
